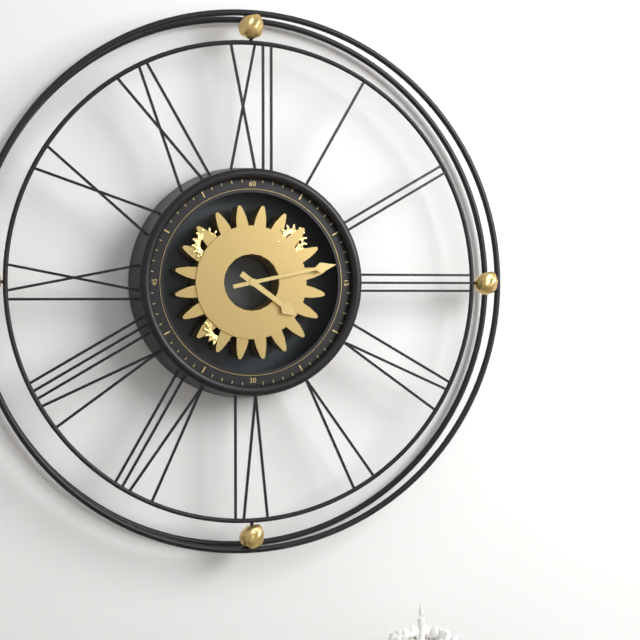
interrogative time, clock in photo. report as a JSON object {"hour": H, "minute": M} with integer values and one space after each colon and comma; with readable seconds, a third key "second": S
{"hour": 4, "minute": 13}
